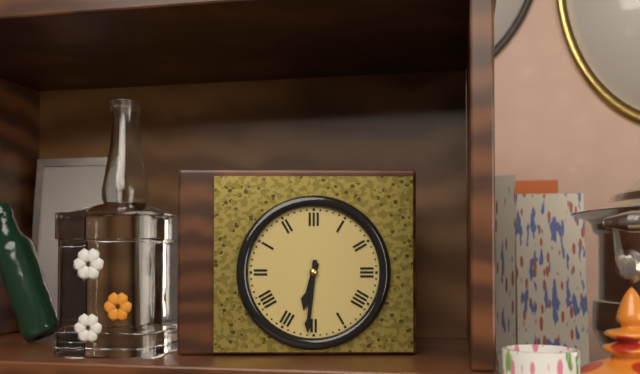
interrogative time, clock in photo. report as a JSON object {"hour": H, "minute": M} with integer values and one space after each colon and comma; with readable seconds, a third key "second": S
{"hour": 6, "minute": 31}
